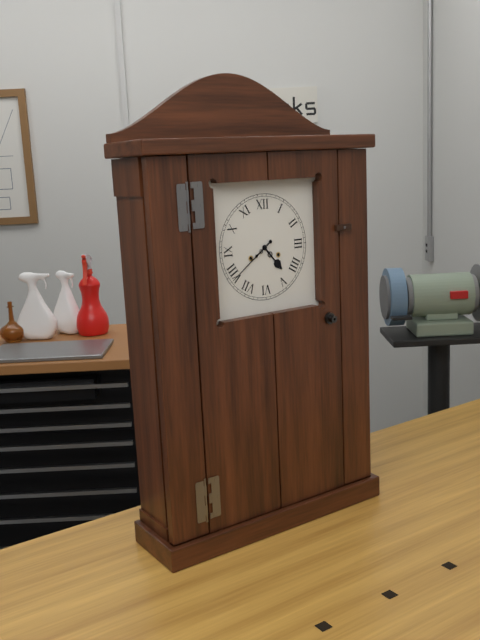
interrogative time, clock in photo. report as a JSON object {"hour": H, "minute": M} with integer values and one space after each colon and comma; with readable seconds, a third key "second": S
{"hour": 4, "minute": 39}
